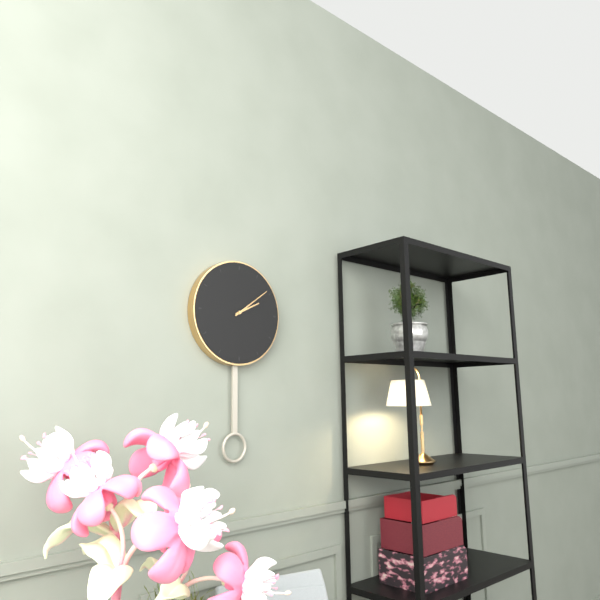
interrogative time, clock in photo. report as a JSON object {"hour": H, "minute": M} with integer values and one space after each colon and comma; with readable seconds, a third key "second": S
{"hour": 2, "minute": 9}
